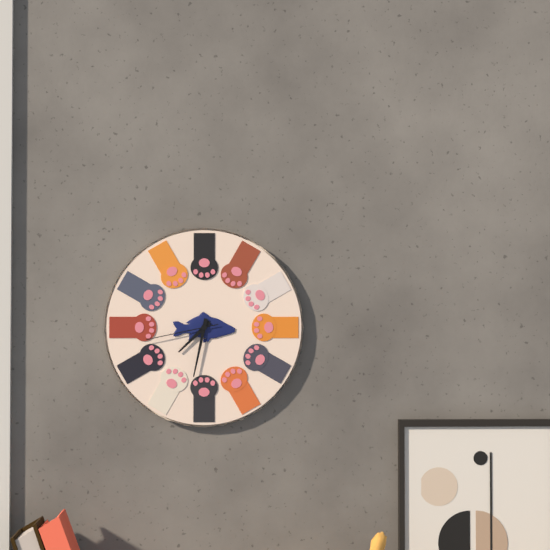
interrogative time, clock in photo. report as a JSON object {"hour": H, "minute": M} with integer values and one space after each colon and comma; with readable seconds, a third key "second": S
{"hour": 7, "minute": 32, "second": 43}
